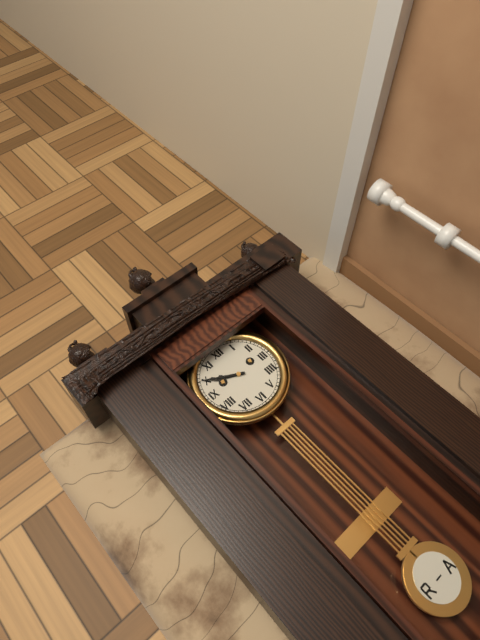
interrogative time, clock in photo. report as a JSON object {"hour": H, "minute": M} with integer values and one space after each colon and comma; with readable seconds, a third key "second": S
{"hour": 9, "minute": 50}
